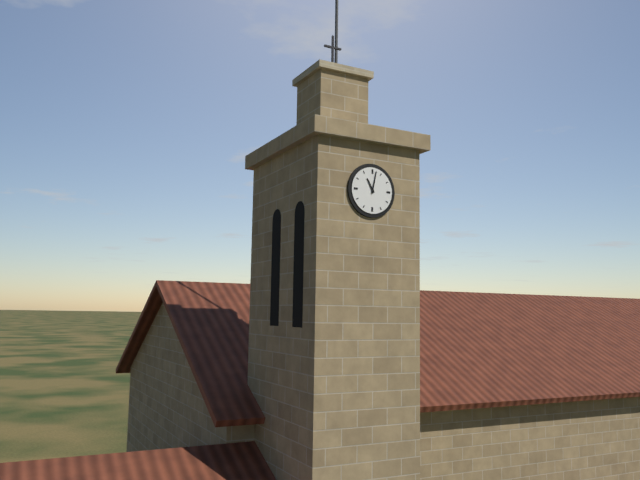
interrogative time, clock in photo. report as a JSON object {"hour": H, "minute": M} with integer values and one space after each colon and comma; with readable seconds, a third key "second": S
{"hour": 11, "minute": 2}
